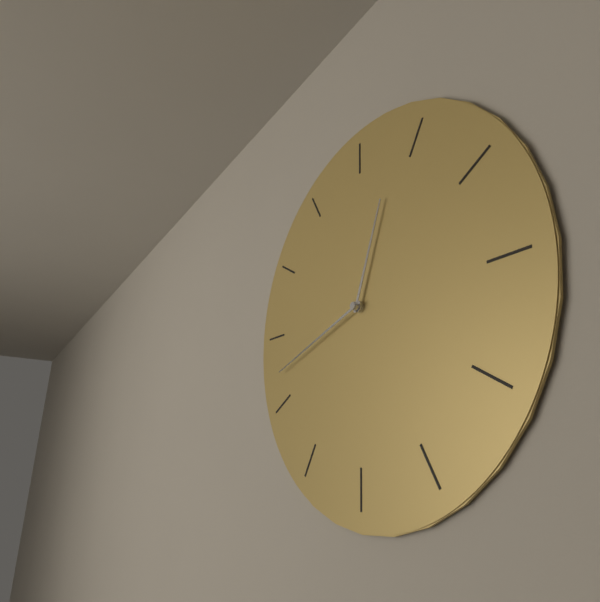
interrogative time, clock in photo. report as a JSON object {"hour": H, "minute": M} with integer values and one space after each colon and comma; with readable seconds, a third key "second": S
{"hour": 12, "minute": 42}
